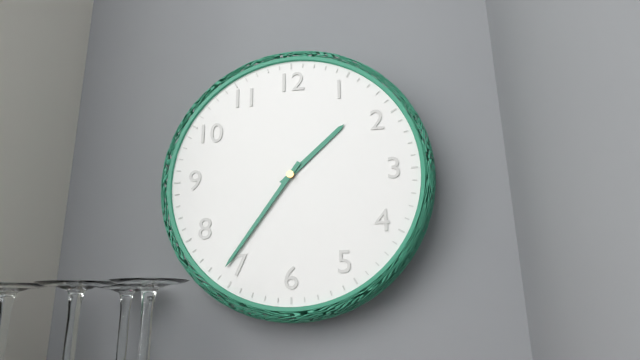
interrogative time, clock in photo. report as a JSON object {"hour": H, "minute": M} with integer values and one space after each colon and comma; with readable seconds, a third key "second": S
{"hour": 1, "minute": 36}
